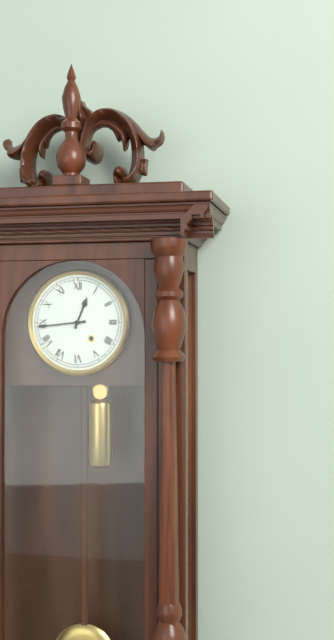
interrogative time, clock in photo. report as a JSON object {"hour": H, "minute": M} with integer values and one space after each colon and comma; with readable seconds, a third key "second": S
{"hour": 12, "minute": 44}
